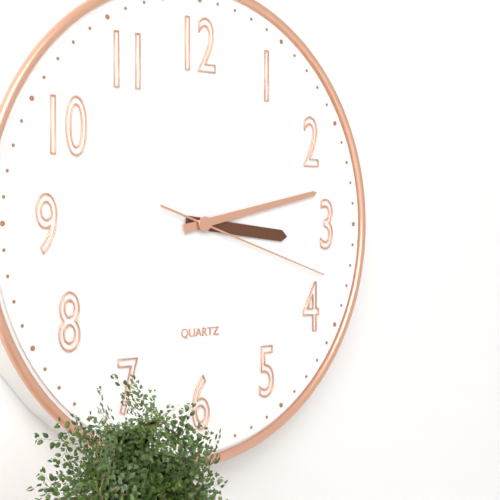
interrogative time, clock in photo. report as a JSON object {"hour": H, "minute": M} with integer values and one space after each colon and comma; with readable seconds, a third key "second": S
{"hour": 3, "minute": 13, "second": 18}
